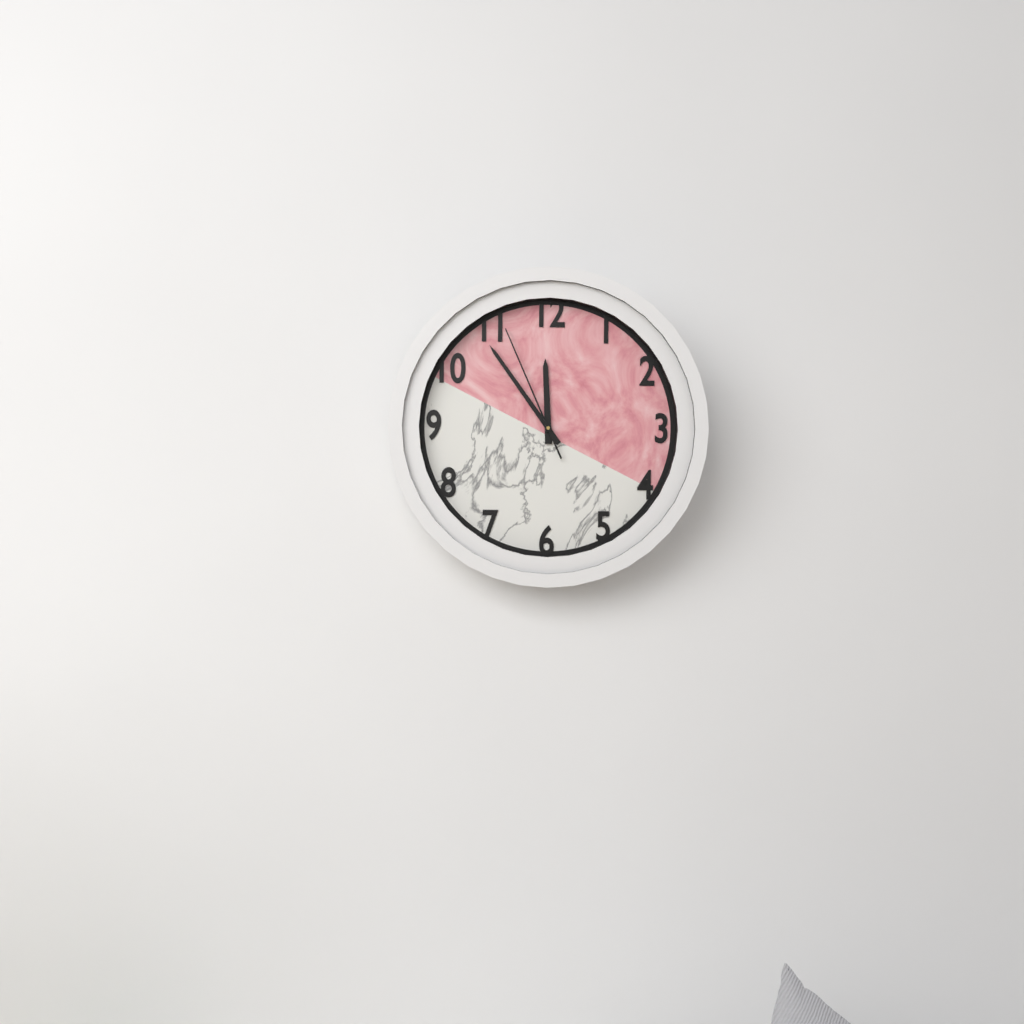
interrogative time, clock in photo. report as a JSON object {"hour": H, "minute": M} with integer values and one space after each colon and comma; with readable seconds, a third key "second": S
{"hour": 11, "minute": 54, "second": 56}
